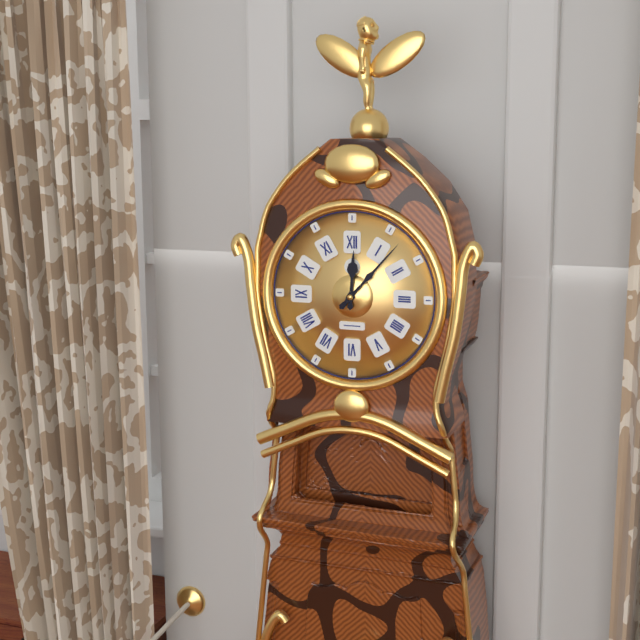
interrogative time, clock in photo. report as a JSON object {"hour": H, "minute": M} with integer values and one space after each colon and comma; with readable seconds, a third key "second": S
{"hour": 12, "minute": 7}
